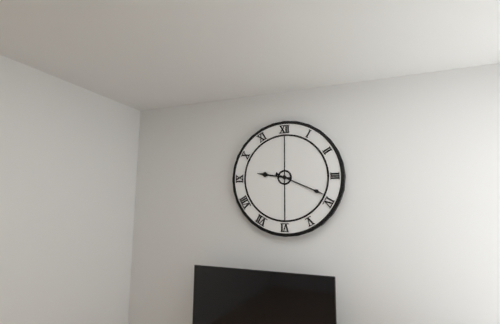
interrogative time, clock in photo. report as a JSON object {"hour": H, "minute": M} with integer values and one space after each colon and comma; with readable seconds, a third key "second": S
{"hour": 9, "minute": 19}
